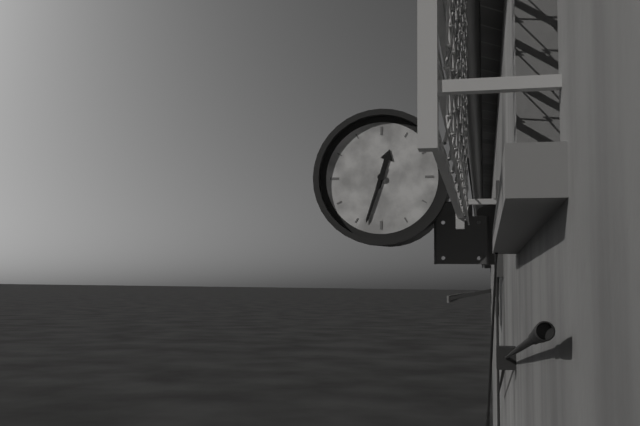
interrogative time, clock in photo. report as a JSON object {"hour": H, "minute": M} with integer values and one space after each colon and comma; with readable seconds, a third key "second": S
{"hour": 12, "minute": 33}
